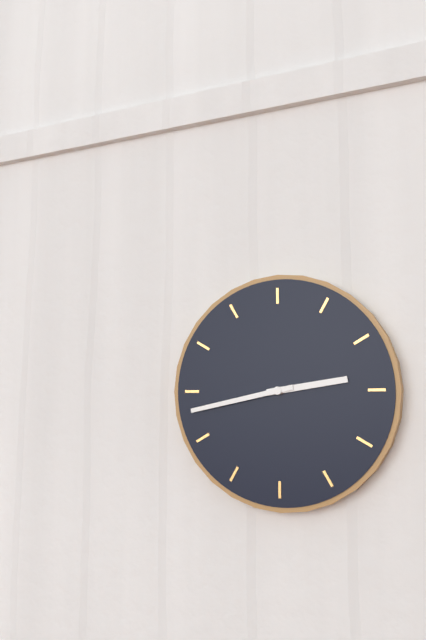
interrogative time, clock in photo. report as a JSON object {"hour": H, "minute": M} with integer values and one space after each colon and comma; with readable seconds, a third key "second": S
{"hour": 2, "minute": 43}
